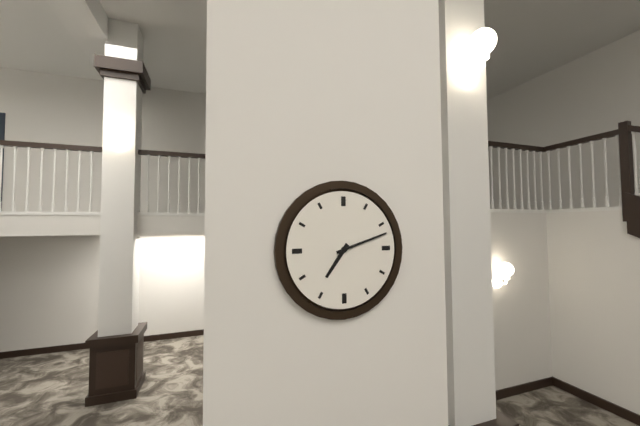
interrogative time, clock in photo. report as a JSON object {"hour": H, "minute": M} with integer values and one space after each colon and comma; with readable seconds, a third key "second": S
{"hour": 7, "minute": 12}
